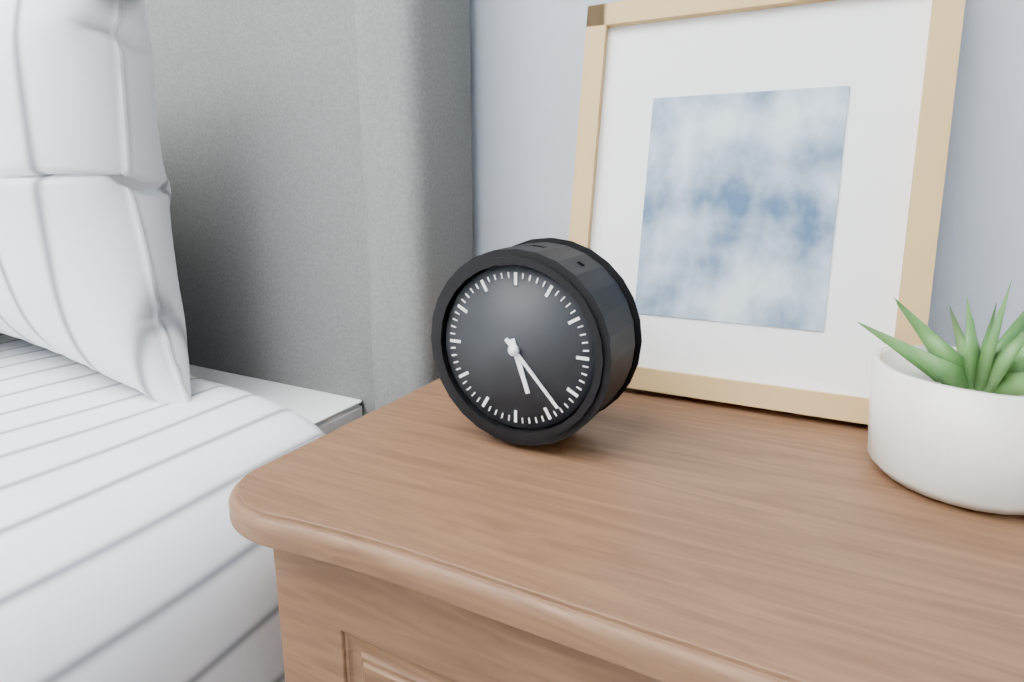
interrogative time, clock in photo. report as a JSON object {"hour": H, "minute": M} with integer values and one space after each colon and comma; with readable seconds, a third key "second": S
{"hour": 5, "minute": 23}
